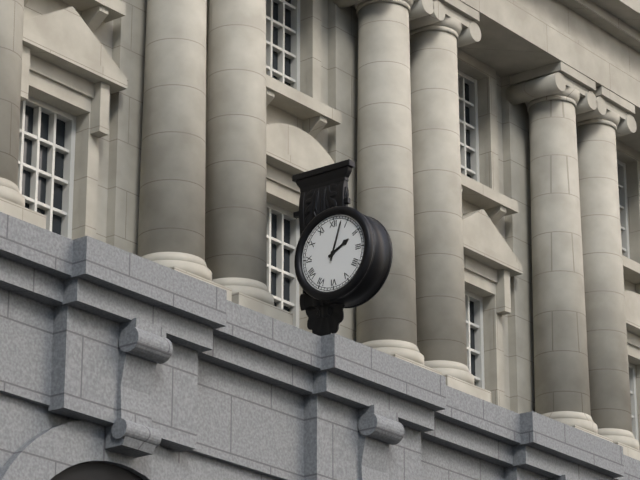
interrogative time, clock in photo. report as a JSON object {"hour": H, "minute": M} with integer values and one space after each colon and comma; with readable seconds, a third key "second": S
{"hour": 2, "minute": 3}
